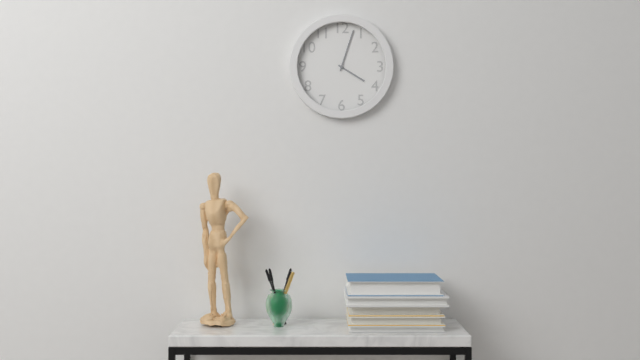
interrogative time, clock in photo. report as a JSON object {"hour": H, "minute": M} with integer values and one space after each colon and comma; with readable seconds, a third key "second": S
{"hour": 4, "minute": 3}
